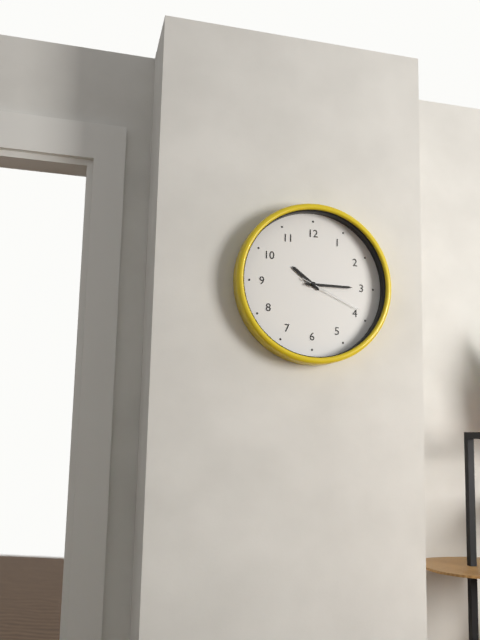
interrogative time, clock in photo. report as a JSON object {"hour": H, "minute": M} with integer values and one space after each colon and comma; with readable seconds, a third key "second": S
{"hour": 10, "minute": 15, "second": 19}
